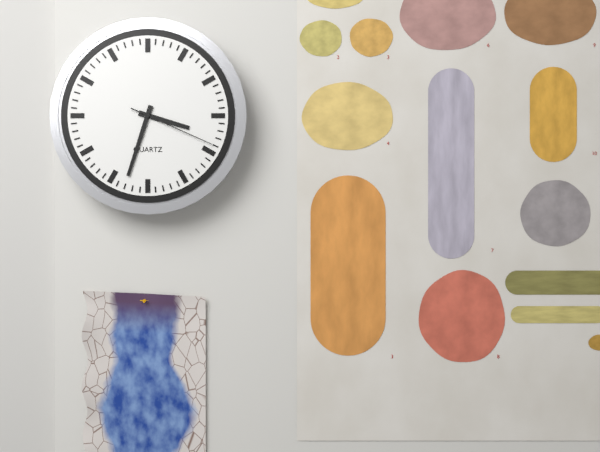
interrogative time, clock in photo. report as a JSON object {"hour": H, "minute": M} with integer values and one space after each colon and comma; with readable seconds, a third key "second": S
{"hour": 3, "minute": 33, "second": 19}
